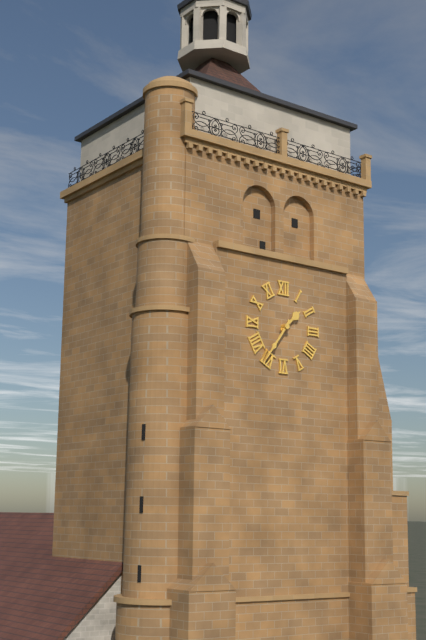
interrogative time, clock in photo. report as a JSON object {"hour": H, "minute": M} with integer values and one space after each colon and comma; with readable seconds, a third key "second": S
{"hour": 1, "minute": 36}
